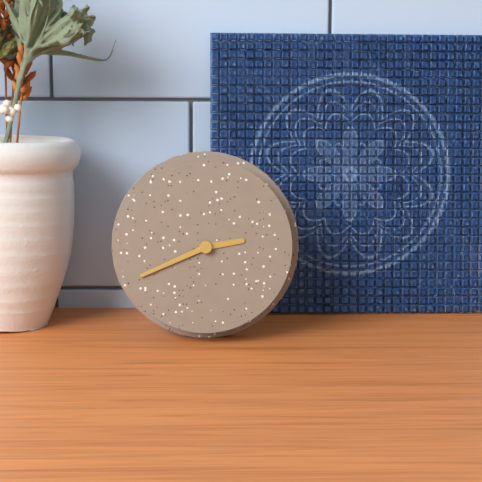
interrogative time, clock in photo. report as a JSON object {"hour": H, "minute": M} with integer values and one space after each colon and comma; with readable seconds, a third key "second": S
{"hour": 2, "minute": 41}
